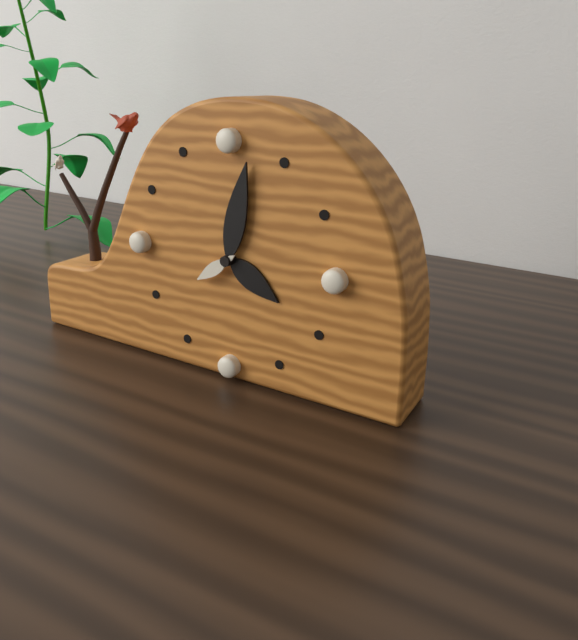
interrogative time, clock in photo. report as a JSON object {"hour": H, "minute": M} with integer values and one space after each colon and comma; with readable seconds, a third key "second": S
{"hour": 4, "minute": 2}
